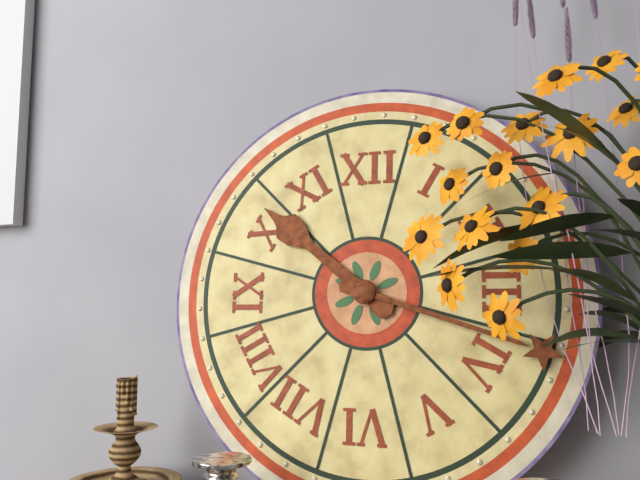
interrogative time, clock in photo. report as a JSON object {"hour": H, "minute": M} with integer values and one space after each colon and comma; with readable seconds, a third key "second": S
{"hour": 10, "minute": 18}
